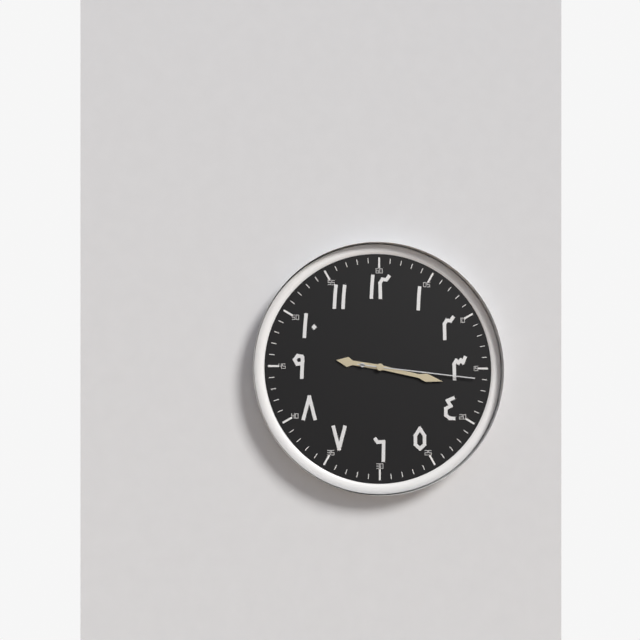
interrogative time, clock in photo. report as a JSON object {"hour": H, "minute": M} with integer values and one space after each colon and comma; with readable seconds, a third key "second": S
{"hour": 9, "minute": 17, "second": 16}
